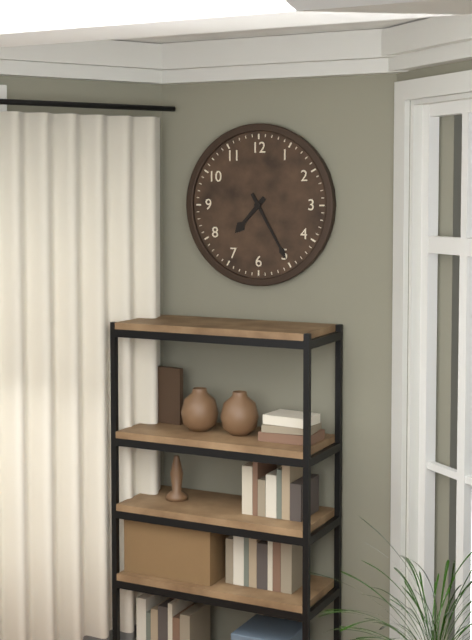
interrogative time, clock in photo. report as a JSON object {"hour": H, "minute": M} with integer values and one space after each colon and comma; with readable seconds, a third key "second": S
{"hour": 7, "minute": 25}
